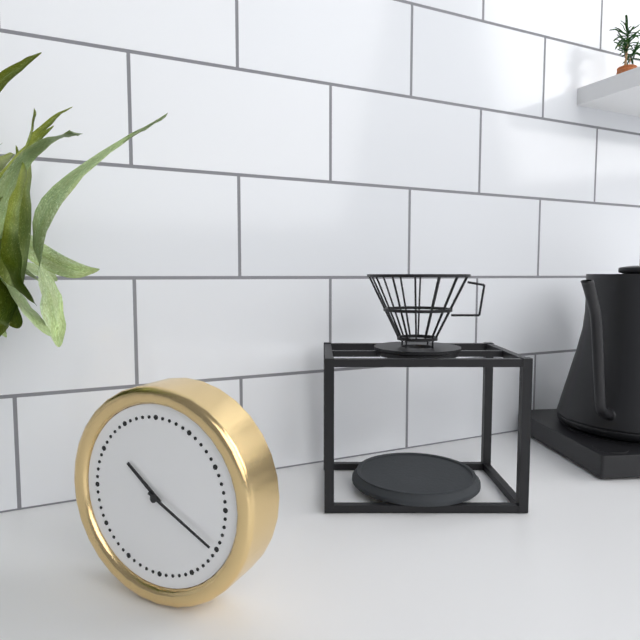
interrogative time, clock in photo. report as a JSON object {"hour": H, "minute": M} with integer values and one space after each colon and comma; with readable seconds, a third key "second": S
{"hour": 10, "minute": 20}
